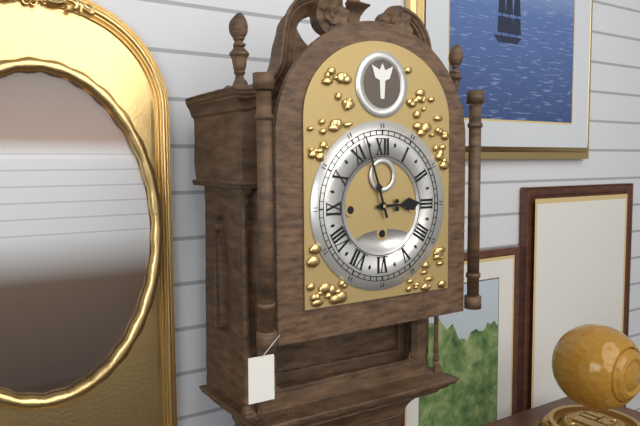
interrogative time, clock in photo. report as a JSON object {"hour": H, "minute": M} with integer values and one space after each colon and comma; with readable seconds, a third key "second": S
{"hour": 2, "minute": 57}
